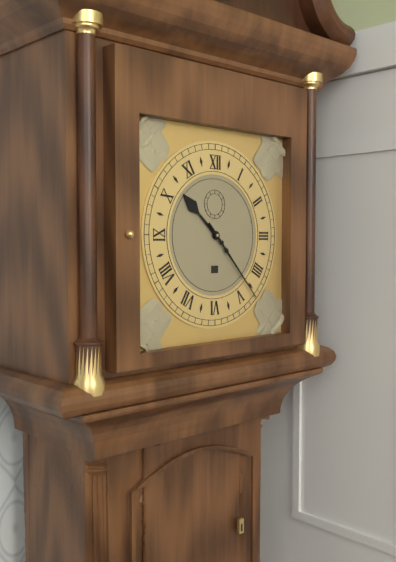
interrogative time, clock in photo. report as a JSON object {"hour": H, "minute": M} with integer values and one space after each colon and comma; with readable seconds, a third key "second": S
{"hour": 10, "minute": 23}
